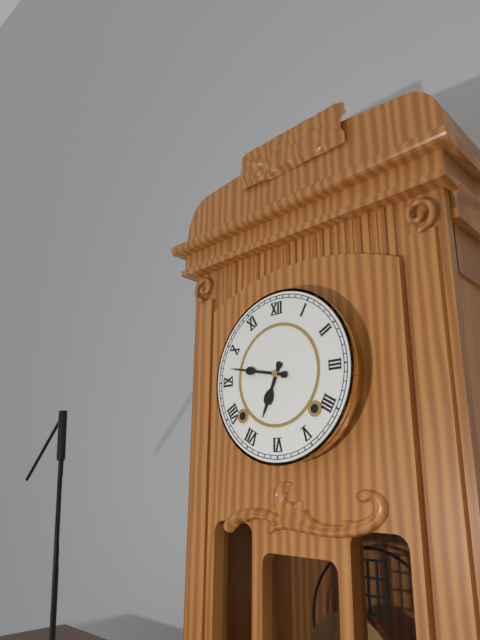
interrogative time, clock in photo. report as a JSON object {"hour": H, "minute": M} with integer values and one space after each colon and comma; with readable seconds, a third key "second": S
{"hour": 6, "minute": 47}
